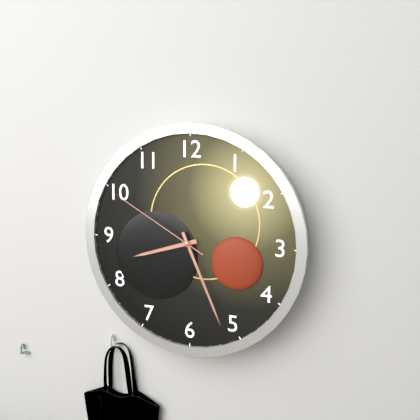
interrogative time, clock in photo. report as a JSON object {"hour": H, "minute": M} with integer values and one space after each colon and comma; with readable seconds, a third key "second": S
{"hour": 8, "minute": 26, "second": 50}
